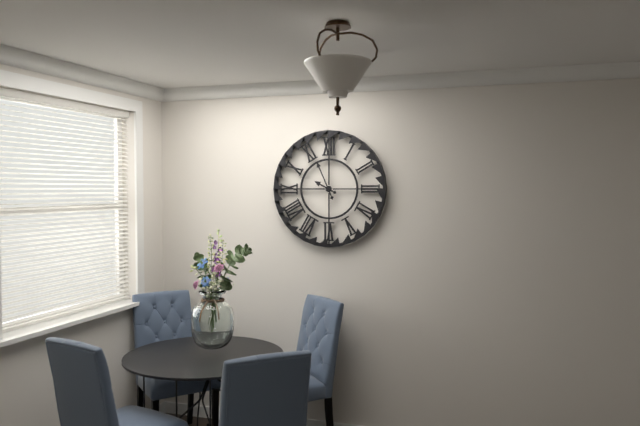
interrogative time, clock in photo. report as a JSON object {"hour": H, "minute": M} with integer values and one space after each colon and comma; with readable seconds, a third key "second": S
{"hour": 9, "minute": 56}
